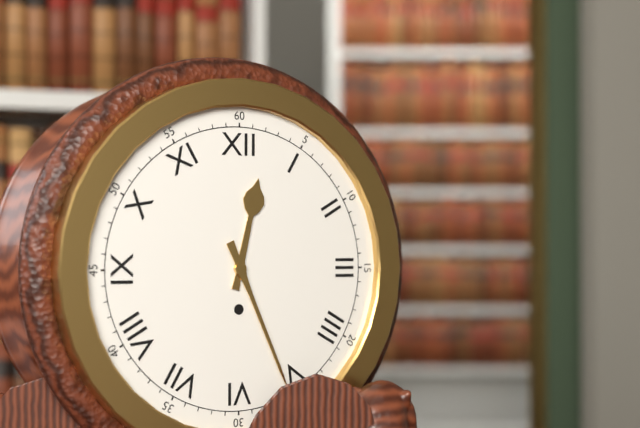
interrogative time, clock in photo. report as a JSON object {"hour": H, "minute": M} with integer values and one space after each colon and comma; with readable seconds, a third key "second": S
{"hour": 12, "minute": 26}
